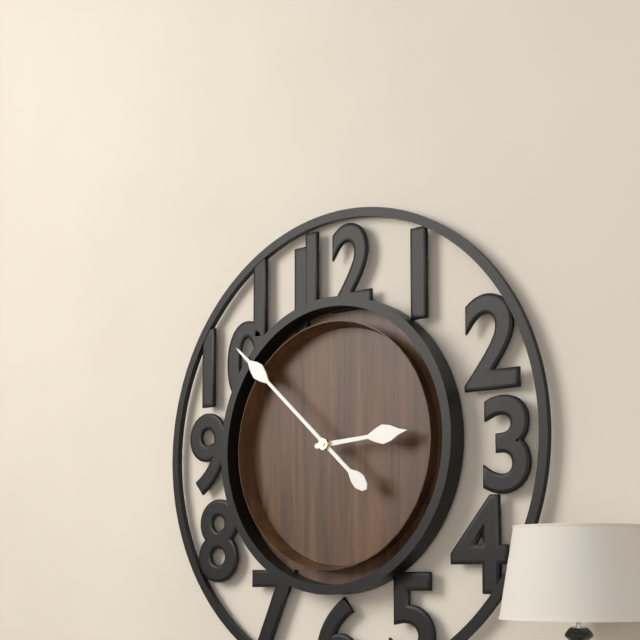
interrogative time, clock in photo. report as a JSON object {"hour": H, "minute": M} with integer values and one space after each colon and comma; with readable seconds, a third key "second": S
{"hour": 2, "minute": 52}
